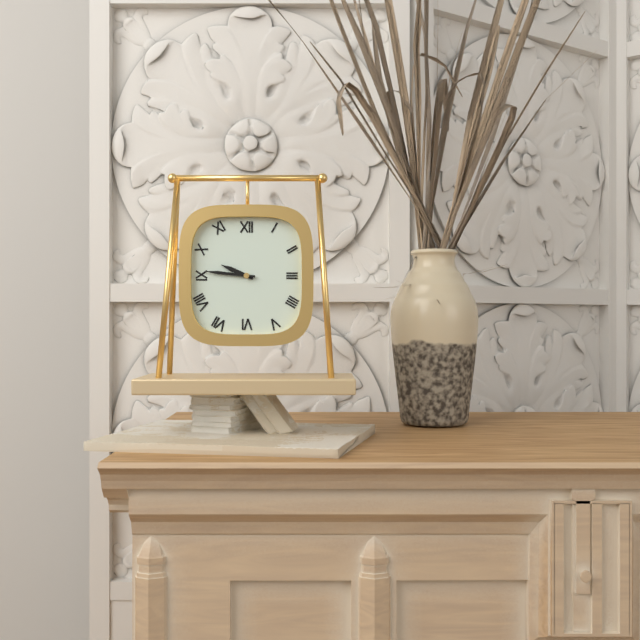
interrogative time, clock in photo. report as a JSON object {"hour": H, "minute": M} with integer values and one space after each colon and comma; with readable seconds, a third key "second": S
{"hour": 9, "minute": 46}
